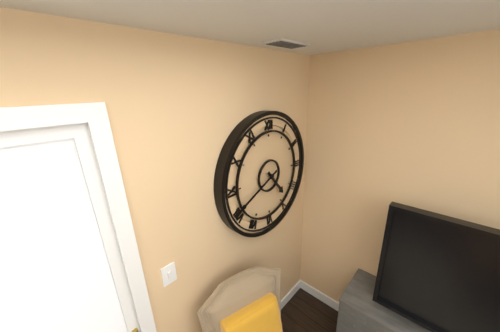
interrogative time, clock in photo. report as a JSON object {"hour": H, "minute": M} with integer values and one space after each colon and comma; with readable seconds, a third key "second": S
{"hour": 4, "minute": 41}
